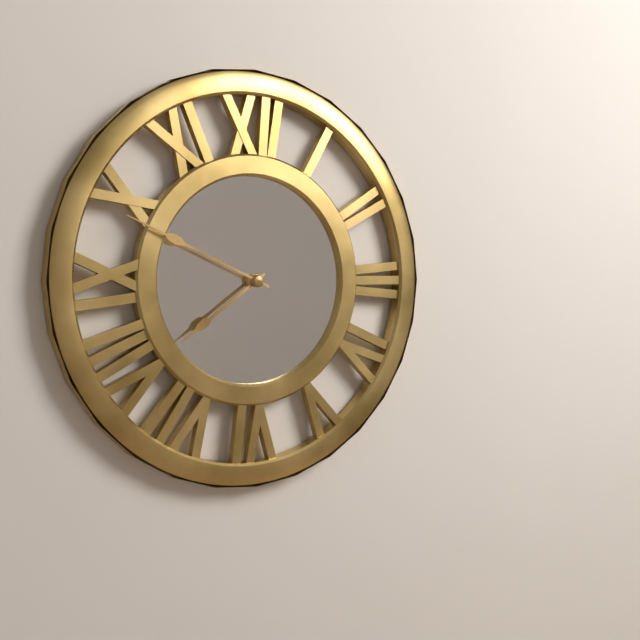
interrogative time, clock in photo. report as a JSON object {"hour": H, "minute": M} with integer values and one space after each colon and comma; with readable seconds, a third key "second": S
{"hour": 7, "minute": 49}
